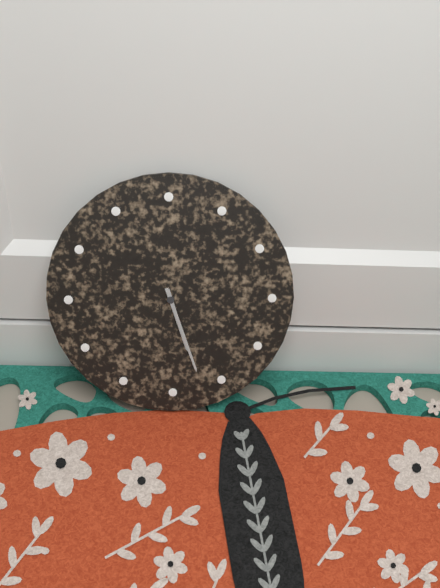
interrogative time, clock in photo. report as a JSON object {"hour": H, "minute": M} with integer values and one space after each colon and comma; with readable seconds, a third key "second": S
{"hour": 5, "minute": 27}
